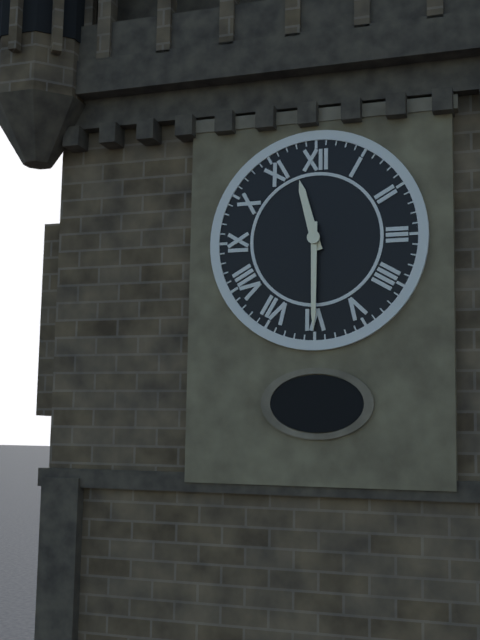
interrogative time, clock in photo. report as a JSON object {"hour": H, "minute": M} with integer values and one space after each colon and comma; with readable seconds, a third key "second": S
{"hour": 11, "minute": 30}
